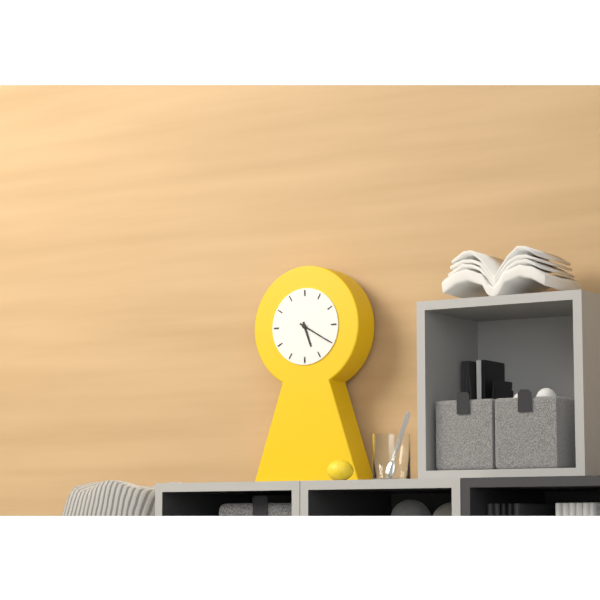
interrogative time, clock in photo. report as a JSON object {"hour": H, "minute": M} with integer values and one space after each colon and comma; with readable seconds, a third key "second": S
{"hour": 5, "minute": 20}
